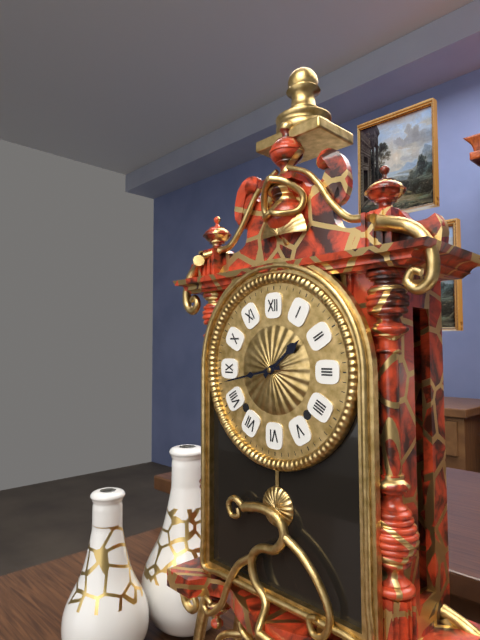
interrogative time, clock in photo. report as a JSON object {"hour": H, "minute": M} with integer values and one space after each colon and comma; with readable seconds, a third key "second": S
{"hour": 1, "minute": 43}
